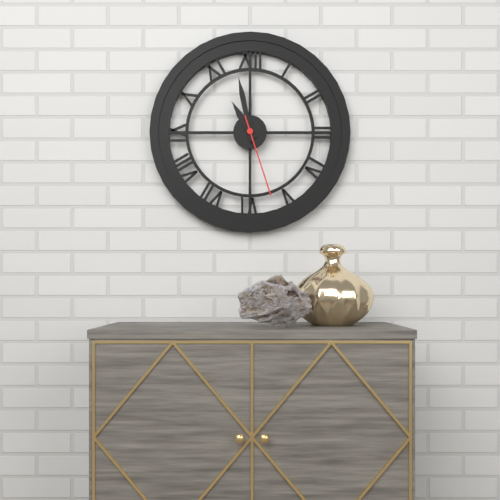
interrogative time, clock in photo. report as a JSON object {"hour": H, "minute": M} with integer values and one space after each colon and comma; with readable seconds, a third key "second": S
{"hour": 10, "minute": 58, "second": 27}
